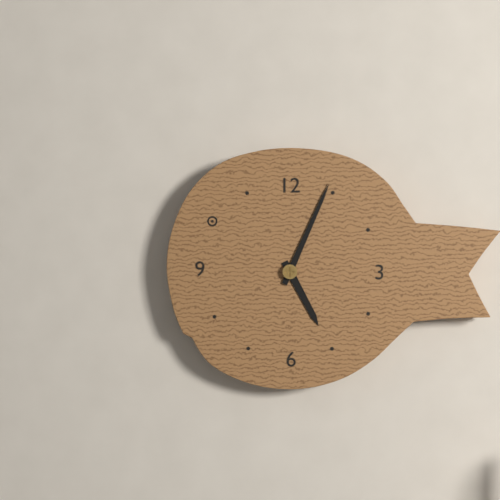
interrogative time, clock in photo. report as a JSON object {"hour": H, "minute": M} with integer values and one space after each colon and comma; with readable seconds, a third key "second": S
{"hour": 5, "minute": 4}
